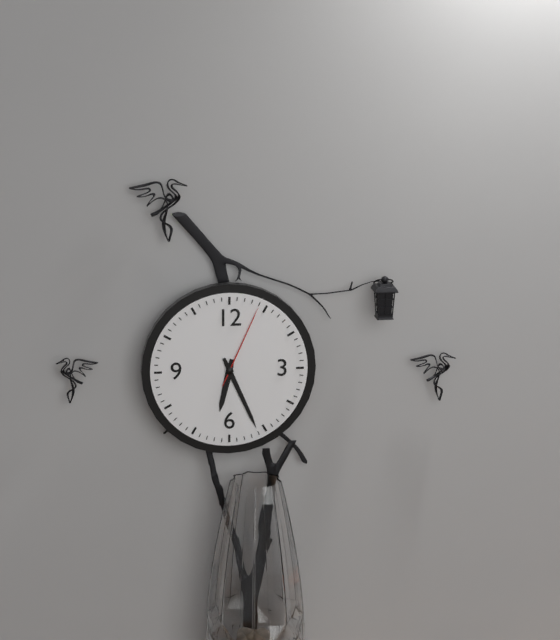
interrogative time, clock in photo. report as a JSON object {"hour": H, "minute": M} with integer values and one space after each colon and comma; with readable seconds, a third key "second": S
{"hour": 6, "minute": 26, "second": 4}
